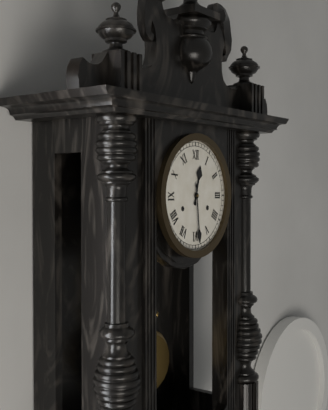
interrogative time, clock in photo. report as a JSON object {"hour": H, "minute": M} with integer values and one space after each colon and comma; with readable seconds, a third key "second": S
{"hour": 12, "minute": 29}
